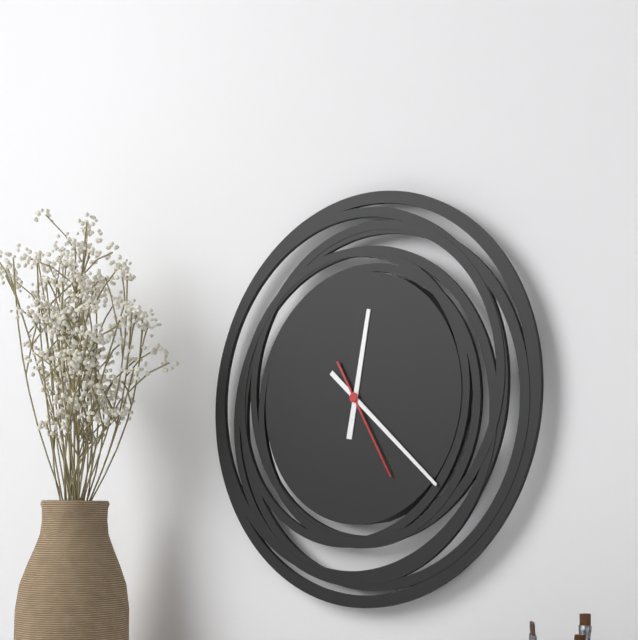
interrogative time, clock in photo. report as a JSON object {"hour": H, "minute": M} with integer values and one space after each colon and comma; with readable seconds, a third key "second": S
{"hour": 12, "minute": 22, "second": 25}
